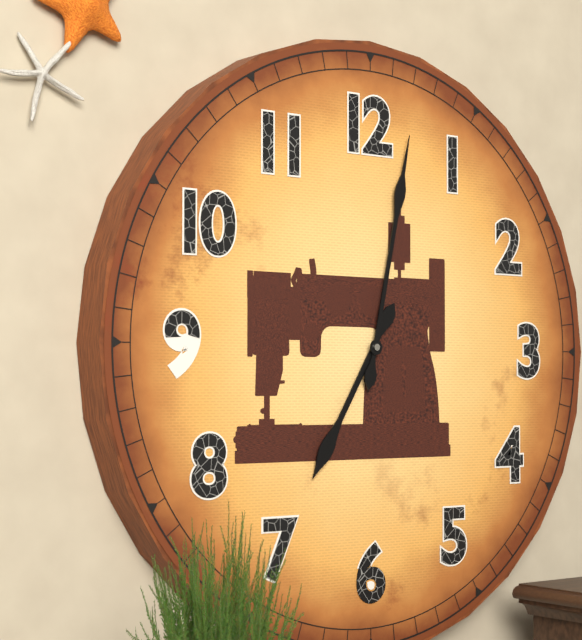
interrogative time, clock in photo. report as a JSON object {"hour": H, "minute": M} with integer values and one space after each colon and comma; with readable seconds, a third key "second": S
{"hour": 7, "minute": 2}
